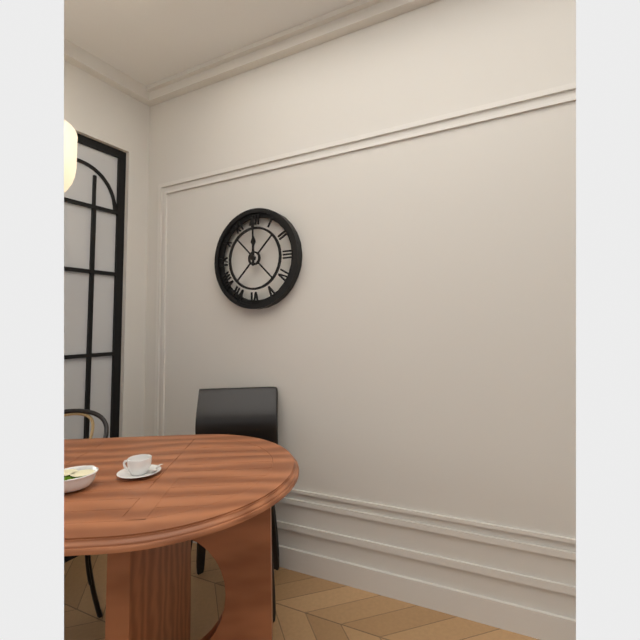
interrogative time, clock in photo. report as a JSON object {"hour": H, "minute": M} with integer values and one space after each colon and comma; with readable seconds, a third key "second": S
{"hour": 12, "minute": 0}
